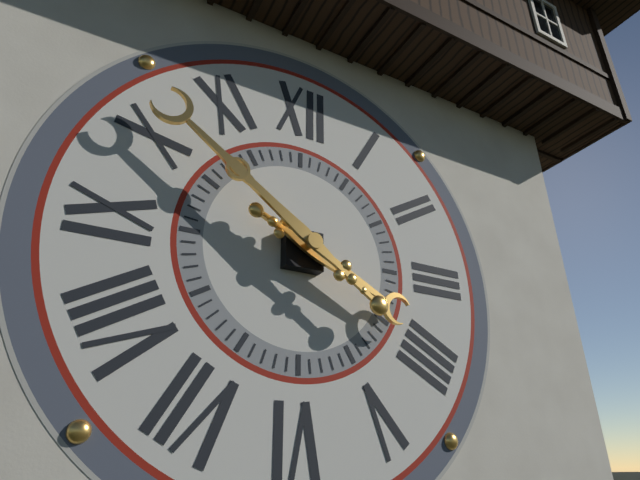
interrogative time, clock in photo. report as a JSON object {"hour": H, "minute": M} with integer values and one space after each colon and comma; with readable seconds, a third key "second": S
{"hour": 3, "minute": 51}
